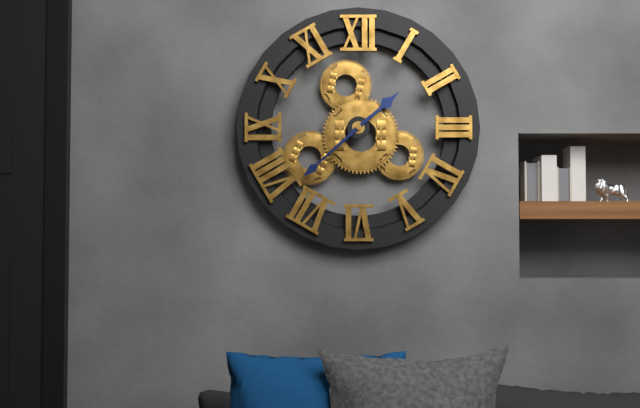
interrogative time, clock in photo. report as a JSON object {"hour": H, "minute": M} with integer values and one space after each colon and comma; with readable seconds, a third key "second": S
{"hour": 1, "minute": 38}
